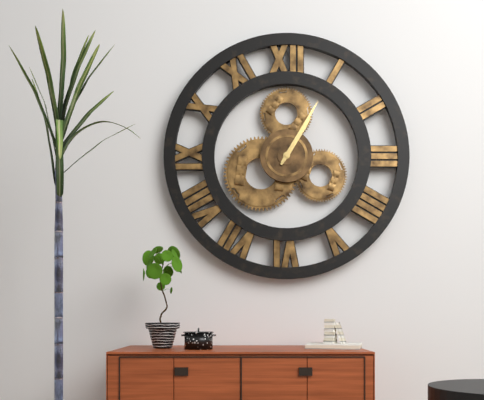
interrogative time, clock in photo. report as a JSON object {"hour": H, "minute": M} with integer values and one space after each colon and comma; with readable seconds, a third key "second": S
{"hour": 1, "minute": 5}
